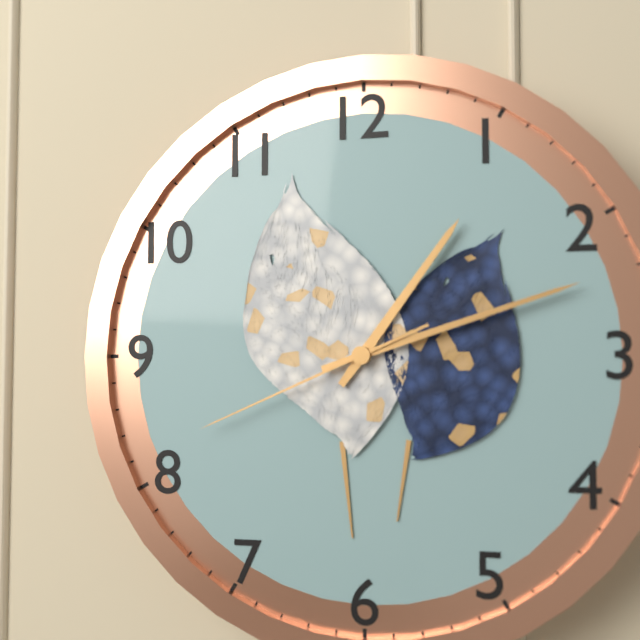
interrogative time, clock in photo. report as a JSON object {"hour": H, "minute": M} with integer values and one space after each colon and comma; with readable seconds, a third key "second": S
{"hour": 1, "minute": 12, "second": 41}
